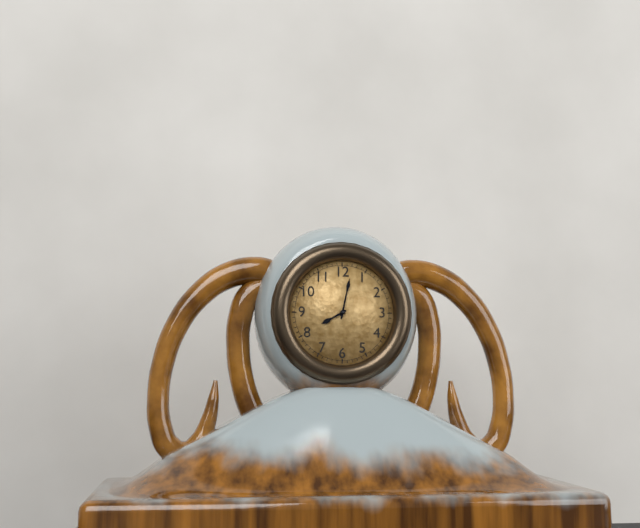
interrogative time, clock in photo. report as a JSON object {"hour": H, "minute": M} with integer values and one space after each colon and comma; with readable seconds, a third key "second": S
{"hour": 8, "minute": 2}
